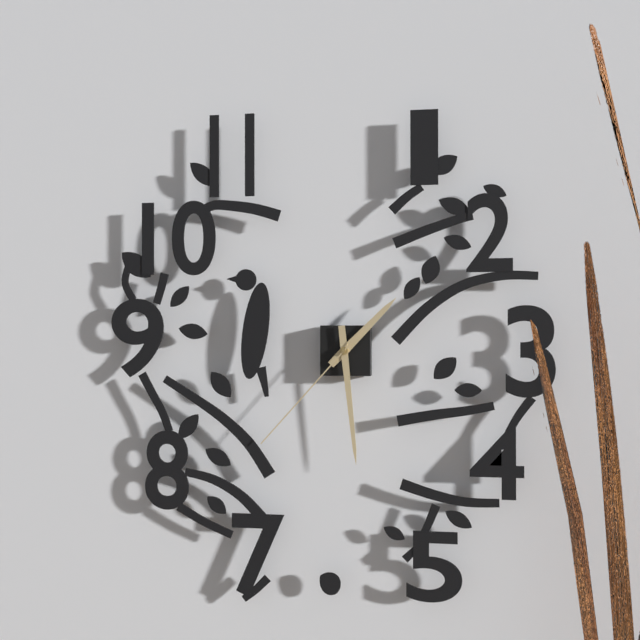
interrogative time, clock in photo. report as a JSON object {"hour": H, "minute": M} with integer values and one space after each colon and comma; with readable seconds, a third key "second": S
{"hour": 1, "minute": 29, "second": 37}
